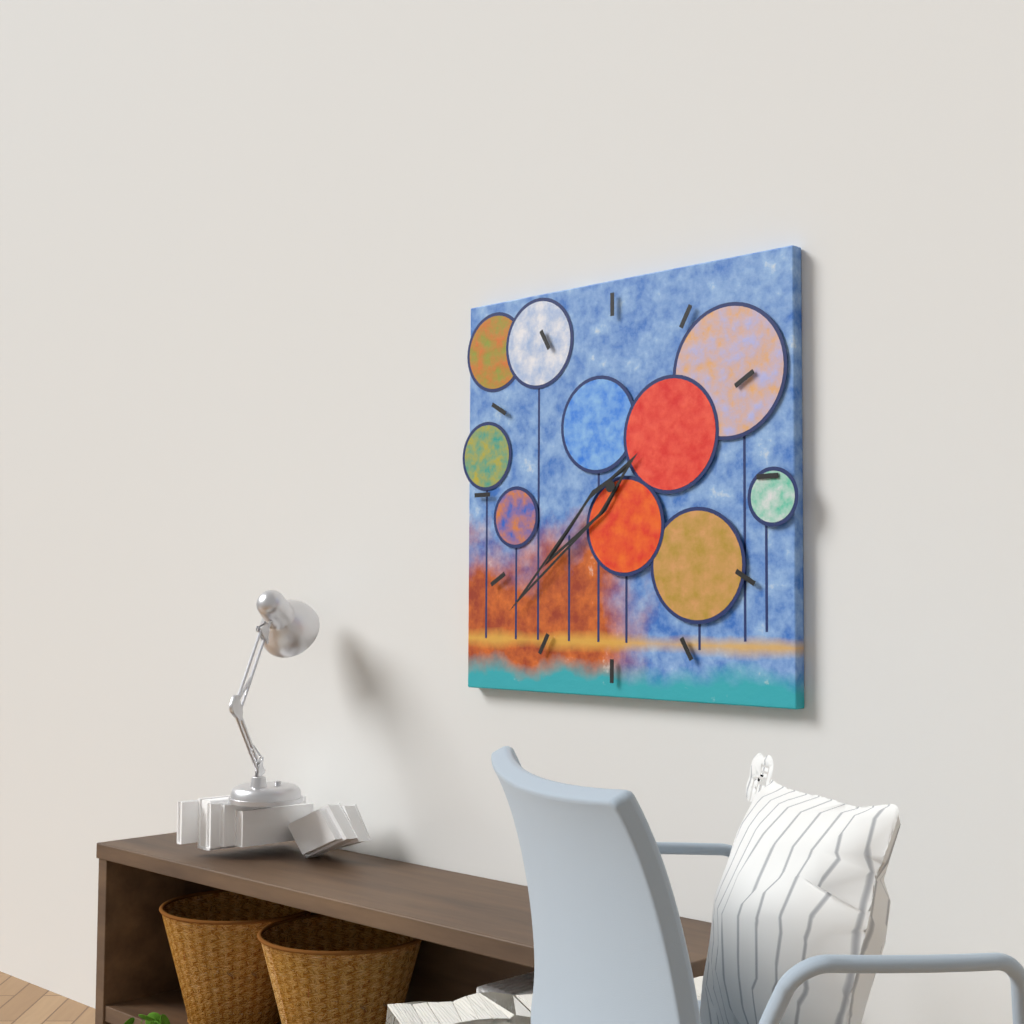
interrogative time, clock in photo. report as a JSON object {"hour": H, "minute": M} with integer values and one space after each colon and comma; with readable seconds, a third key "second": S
{"hour": 7, "minute": 38}
